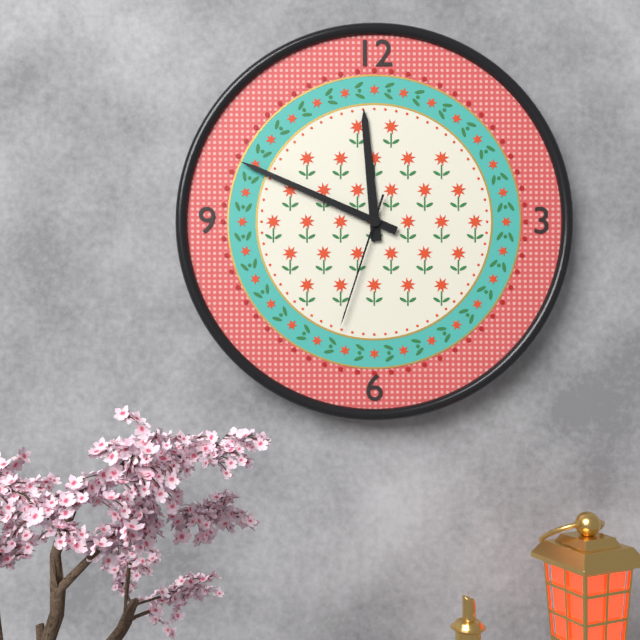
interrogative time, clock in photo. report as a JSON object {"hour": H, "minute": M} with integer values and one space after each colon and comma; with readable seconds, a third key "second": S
{"hour": 11, "minute": 49, "second": 33}
